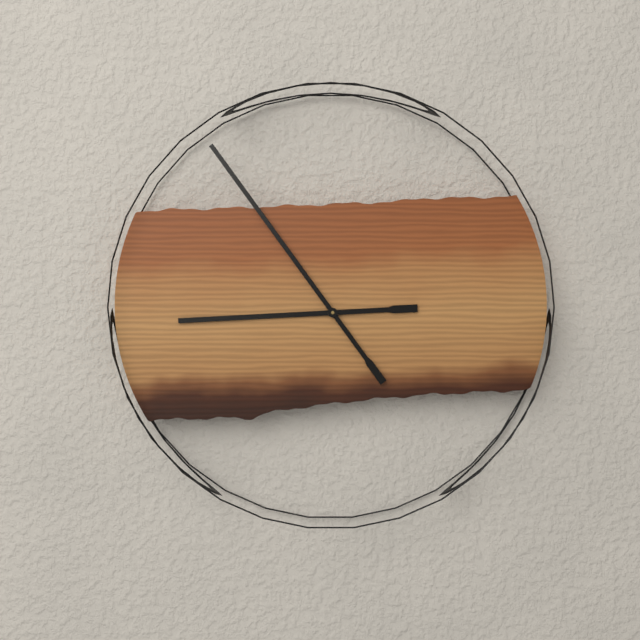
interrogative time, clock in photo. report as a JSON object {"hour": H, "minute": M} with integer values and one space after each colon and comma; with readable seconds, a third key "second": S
{"hour": 8, "minute": 54}
